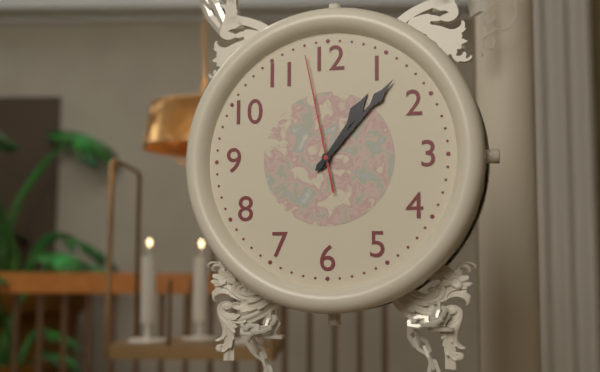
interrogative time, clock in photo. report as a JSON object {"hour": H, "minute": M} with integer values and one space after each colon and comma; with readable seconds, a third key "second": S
{"hour": 1, "minute": 7, "second": 58}
